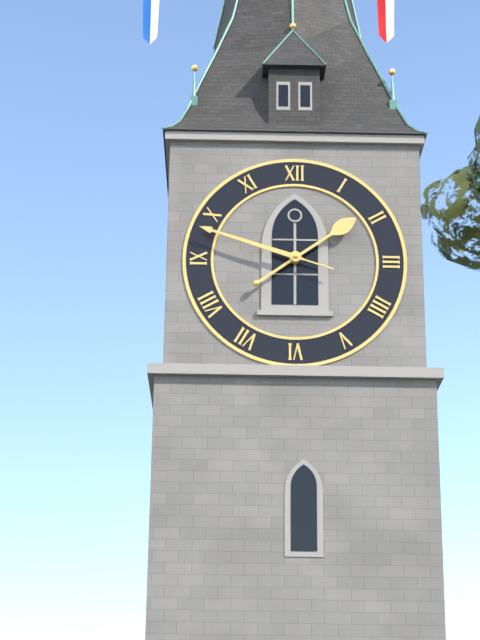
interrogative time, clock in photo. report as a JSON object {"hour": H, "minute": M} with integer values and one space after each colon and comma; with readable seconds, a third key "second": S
{"hour": 1, "minute": 48}
